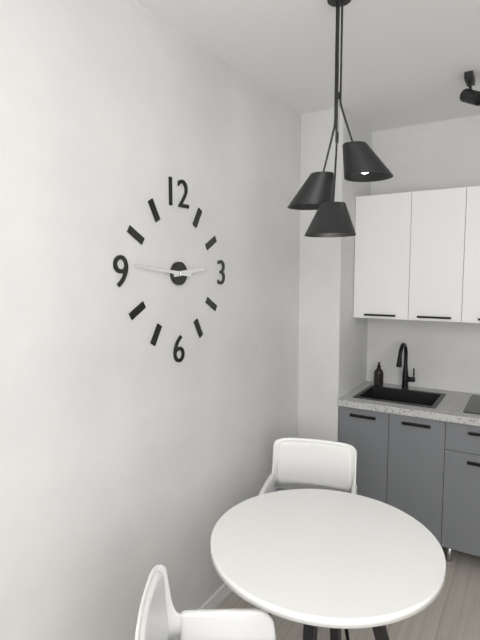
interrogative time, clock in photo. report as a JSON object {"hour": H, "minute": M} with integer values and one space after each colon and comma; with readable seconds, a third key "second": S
{"hour": 2, "minute": 46}
